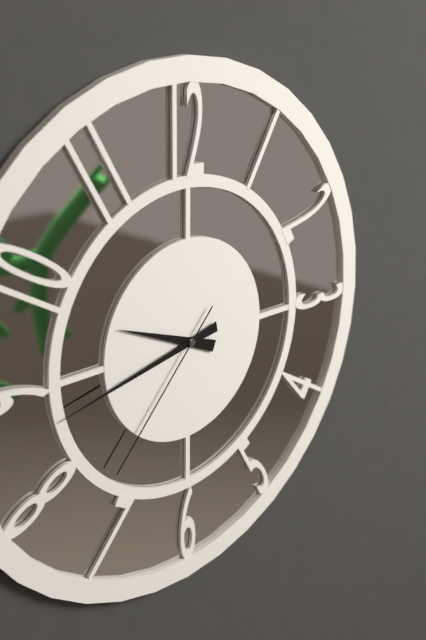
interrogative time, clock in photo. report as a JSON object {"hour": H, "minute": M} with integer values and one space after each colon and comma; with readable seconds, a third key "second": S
{"hour": 9, "minute": 43, "second": 37}
